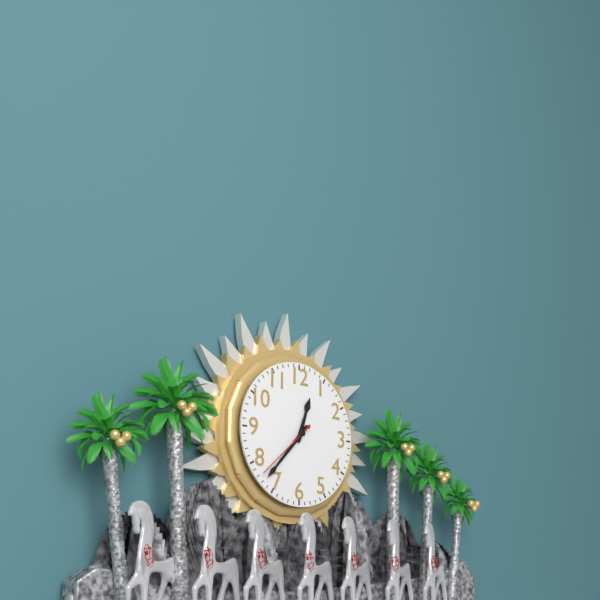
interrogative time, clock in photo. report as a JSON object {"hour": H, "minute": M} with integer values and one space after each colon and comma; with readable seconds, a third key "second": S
{"hour": 12, "minute": 37, "second": 38}
